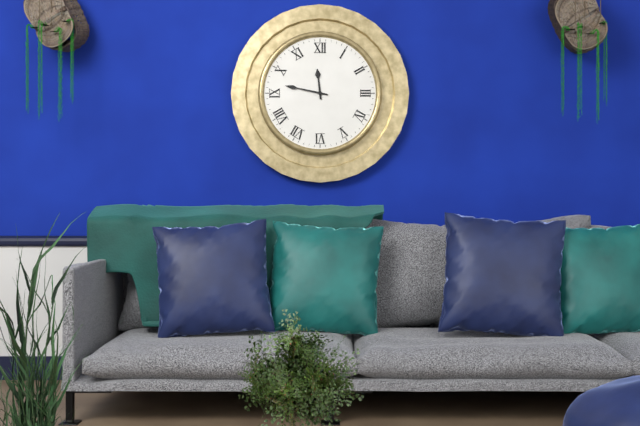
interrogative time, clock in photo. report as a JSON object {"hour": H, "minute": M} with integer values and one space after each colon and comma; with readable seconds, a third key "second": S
{"hour": 11, "minute": 47}
